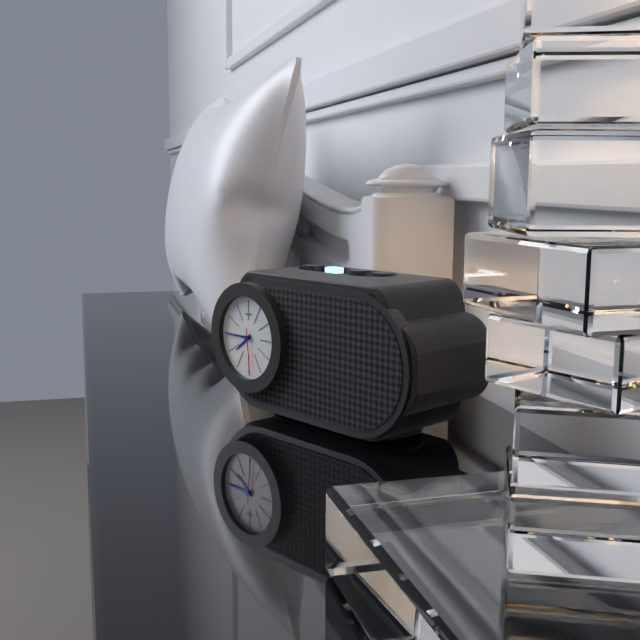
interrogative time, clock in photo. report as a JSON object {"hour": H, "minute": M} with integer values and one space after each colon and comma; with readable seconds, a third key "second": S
{"hour": 7, "minute": 45, "second": 29}
